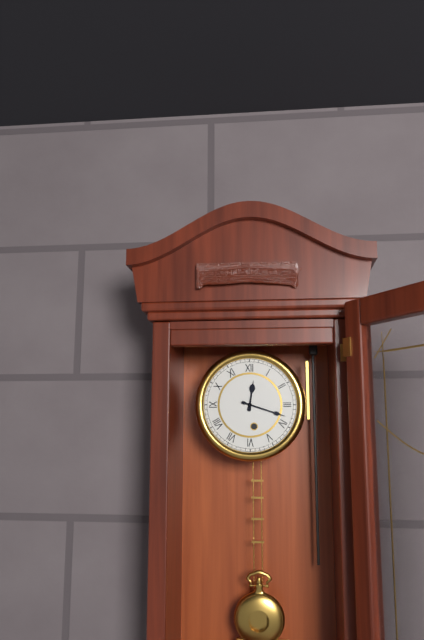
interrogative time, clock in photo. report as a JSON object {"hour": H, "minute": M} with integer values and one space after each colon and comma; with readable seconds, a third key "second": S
{"hour": 12, "minute": 18}
